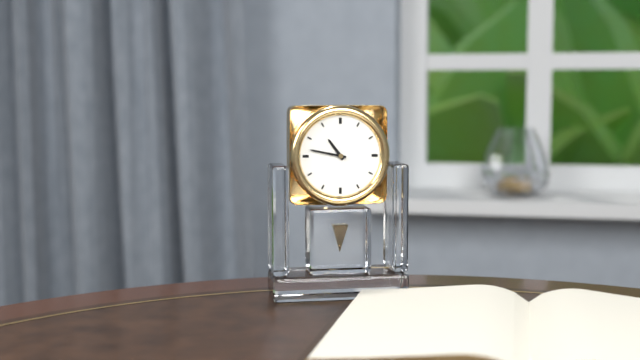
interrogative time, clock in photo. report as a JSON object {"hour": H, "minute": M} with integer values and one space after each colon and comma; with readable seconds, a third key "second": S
{"hour": 10, "minute": 47}
